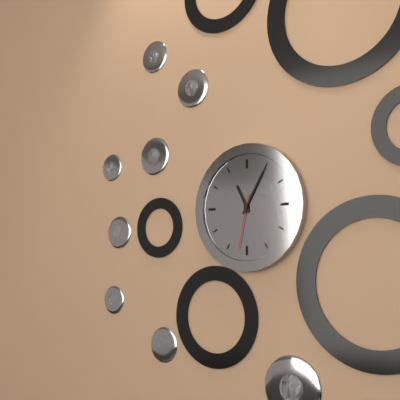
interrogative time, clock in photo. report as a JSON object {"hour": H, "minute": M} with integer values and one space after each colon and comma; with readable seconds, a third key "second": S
{"hour": 11, "minute": 5, "second": 32}
